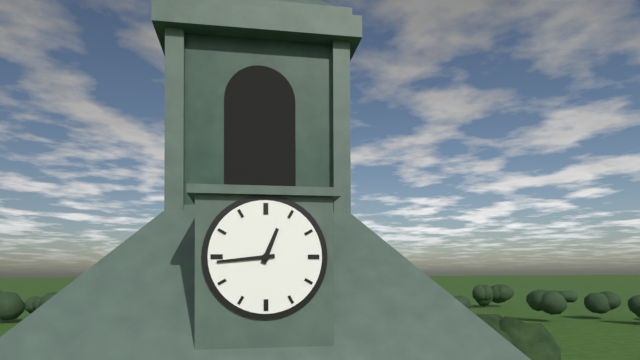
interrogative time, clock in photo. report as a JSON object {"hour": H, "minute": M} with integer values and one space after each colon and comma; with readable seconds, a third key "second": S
{"hour": 12, "minute": 44}
